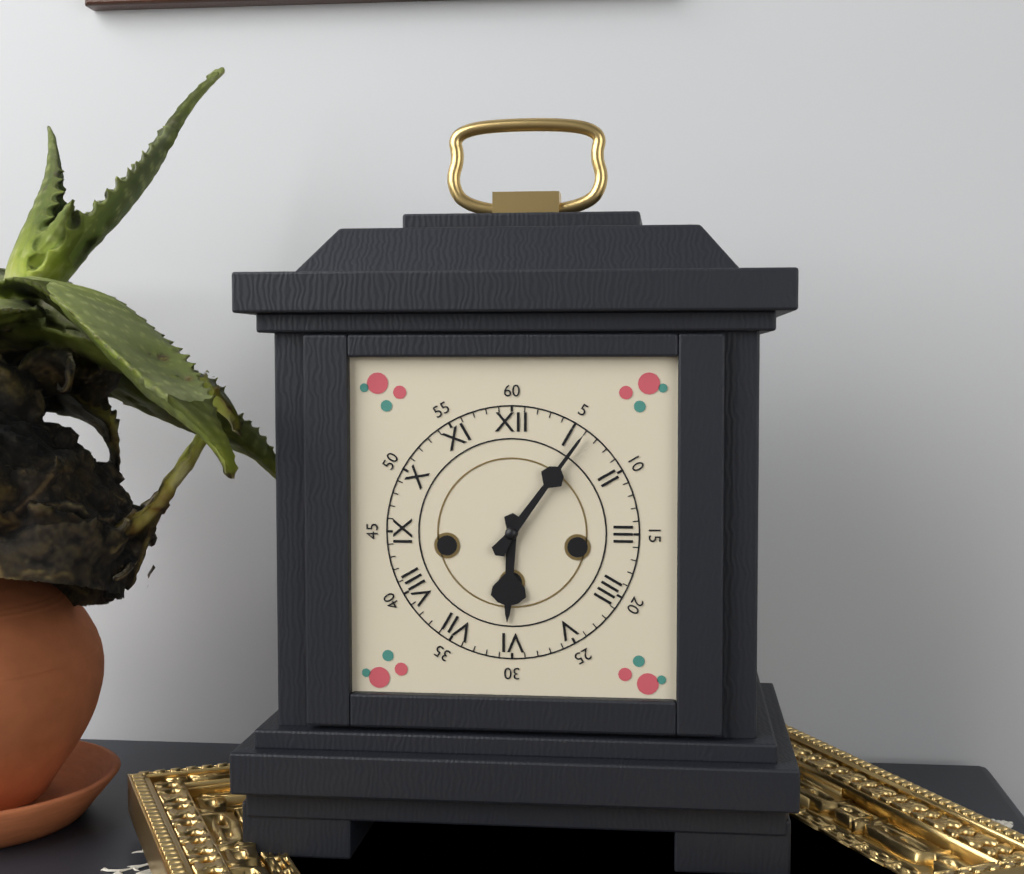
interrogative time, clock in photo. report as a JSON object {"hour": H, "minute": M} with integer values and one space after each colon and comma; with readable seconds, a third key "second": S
{"hour": 6, "minute": 6}
